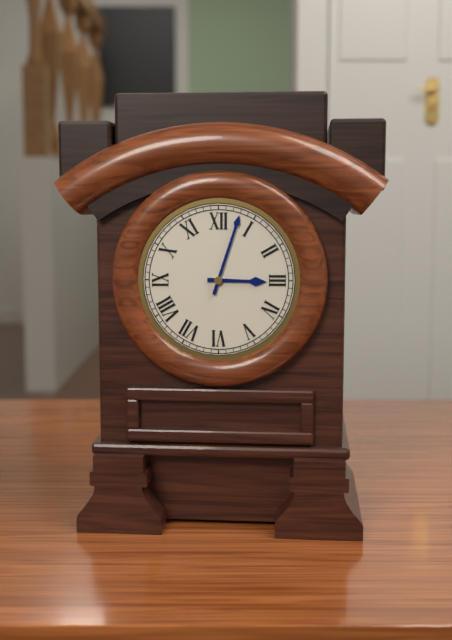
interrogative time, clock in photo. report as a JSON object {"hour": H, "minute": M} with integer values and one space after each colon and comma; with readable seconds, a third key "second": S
{"hour": 3, "minute": 3}
